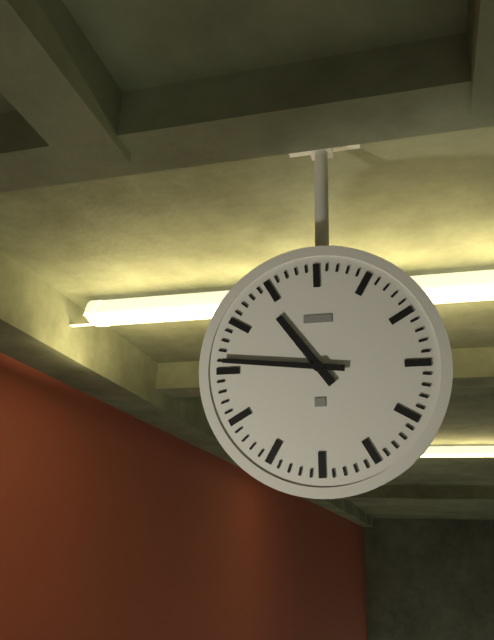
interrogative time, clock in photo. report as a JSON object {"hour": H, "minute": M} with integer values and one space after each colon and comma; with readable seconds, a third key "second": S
{"hour": 10, "minute": 46}
